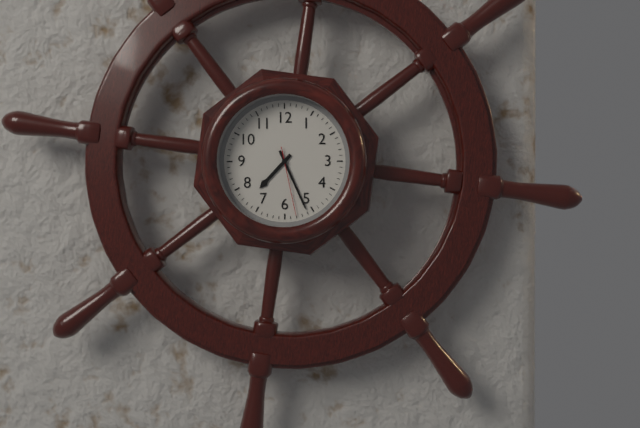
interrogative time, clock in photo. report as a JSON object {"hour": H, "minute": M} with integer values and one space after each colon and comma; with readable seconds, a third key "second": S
{"hour": 7, "minute": 26, "second": 28}
